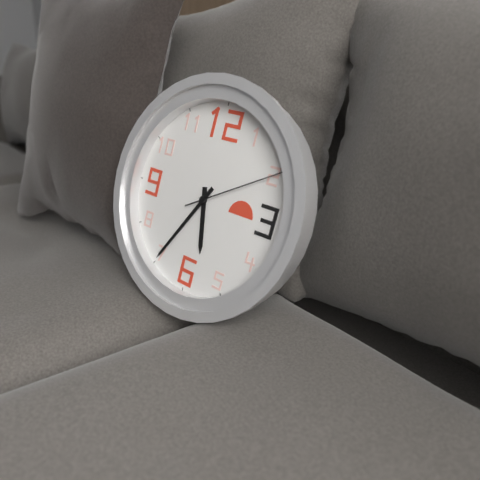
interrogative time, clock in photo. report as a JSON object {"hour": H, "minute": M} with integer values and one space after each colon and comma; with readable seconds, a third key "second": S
{"hour": 5, "minute": 35, "second": 10}
